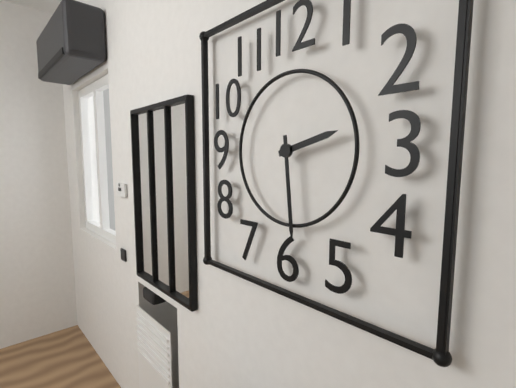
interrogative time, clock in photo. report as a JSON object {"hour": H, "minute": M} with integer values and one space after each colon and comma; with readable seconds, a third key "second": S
{"hour": 2, "minute": 29}
